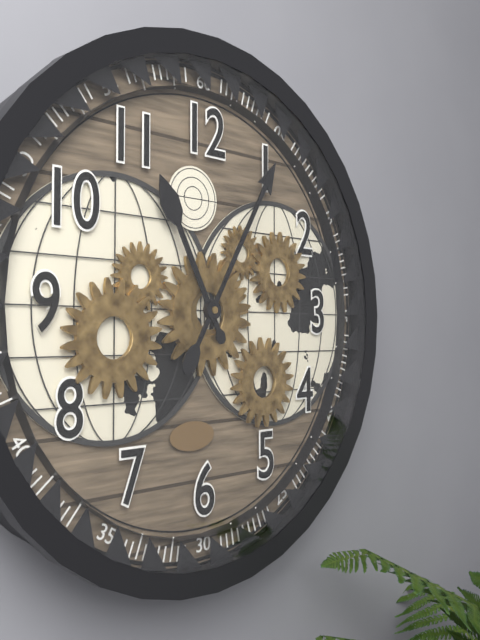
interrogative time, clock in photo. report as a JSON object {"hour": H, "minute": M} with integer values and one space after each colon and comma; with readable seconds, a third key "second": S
{"hour": 11, "minute": 5}
